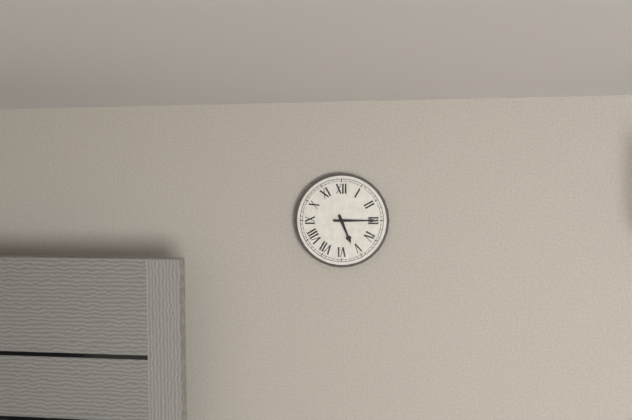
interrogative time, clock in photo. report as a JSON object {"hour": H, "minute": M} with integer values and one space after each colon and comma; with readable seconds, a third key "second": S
{"hour": 5, "minute": 15}
